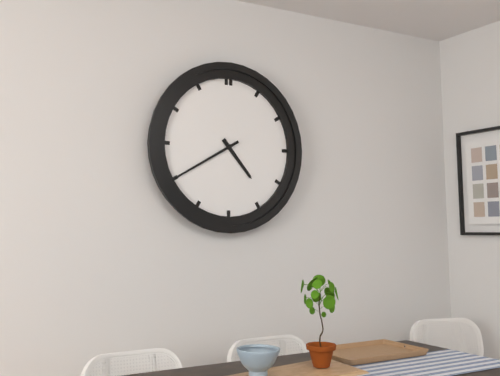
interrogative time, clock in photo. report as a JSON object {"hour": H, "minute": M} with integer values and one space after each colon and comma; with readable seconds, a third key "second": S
{"hour": 4, "minute": 40}
